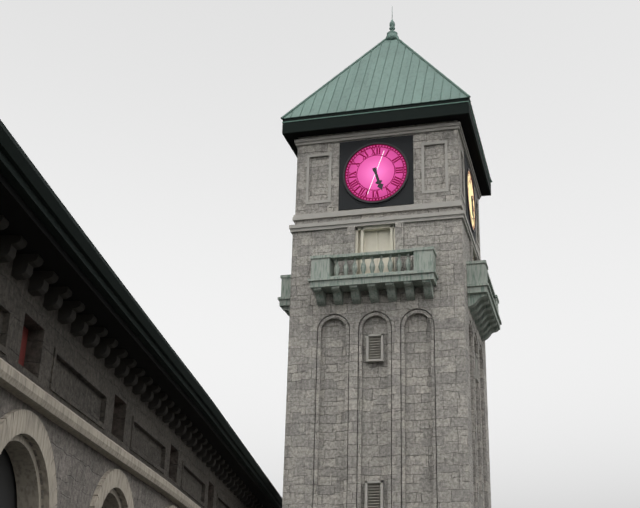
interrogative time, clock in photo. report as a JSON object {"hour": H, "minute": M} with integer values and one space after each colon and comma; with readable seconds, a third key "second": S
{"hour": 5, "minute": 27}
